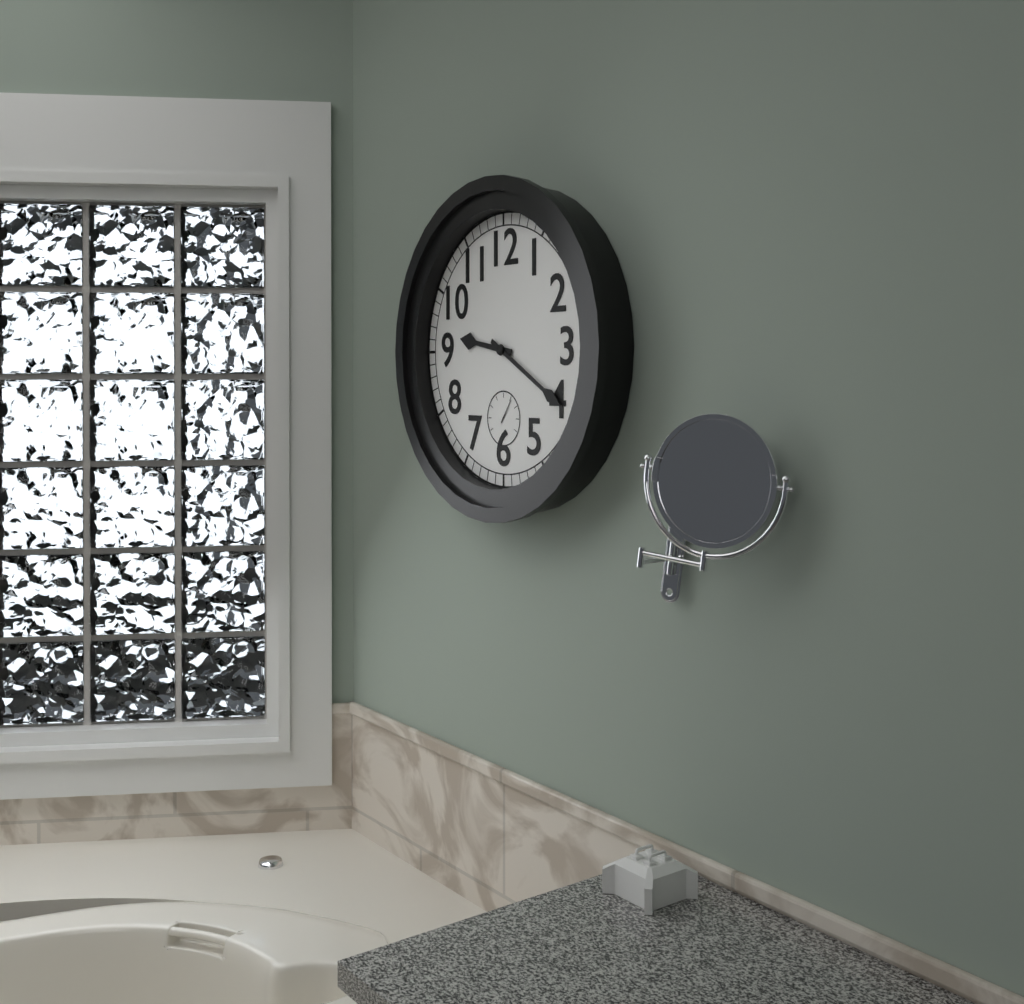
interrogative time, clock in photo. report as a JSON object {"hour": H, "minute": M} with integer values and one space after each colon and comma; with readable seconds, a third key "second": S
{"hour": 9, "minute": 20}
